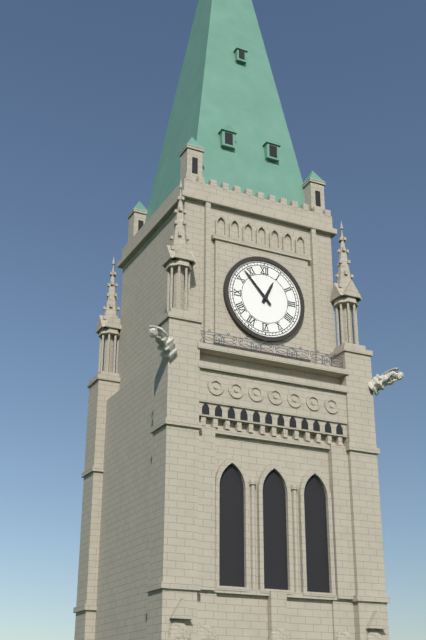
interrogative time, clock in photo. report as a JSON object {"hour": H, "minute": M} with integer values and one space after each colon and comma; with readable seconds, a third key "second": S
{"hour": 12, "minute": 53}
